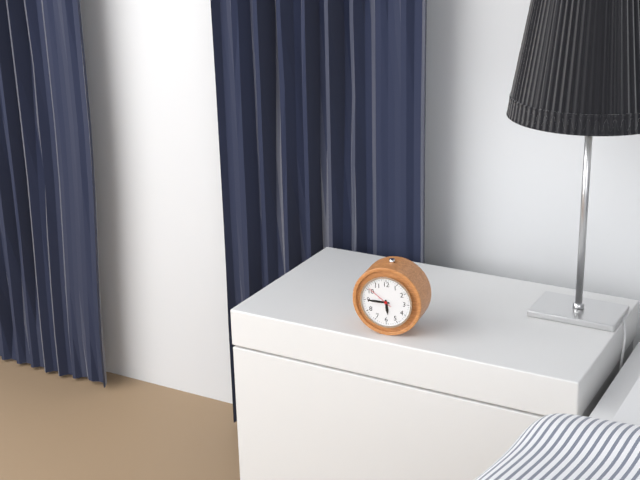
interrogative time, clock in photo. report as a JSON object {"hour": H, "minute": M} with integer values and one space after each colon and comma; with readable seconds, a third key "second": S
{"hour": 5, "minute": 45}
